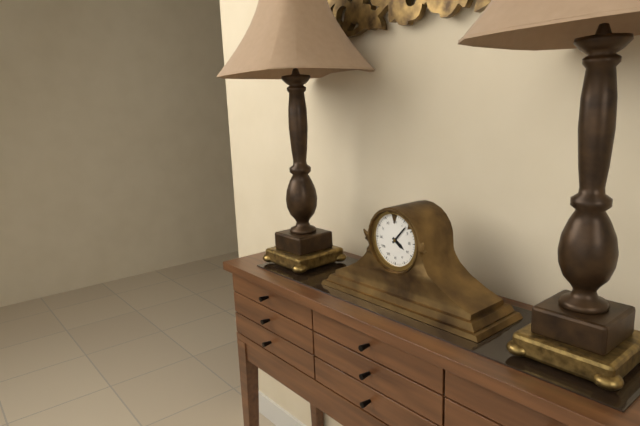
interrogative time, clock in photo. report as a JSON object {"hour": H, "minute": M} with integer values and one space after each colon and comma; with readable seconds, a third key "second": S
{"hour": 4, "minute": 7}
